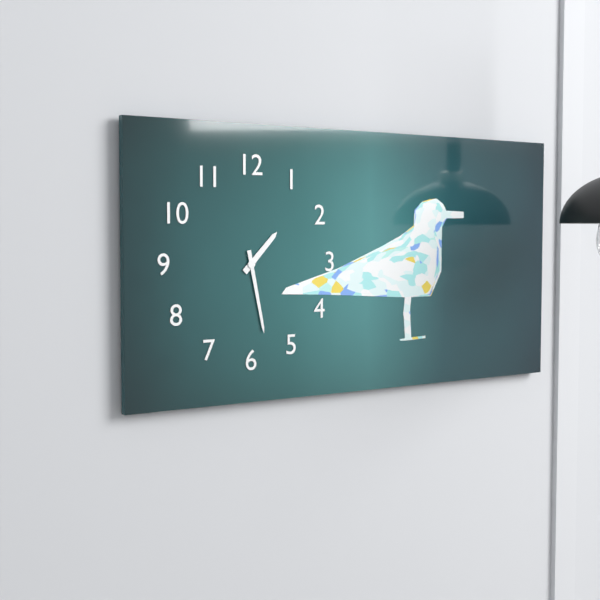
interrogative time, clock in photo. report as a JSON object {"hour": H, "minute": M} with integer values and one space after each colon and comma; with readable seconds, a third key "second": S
{"hour": 1, "minute": 28}
